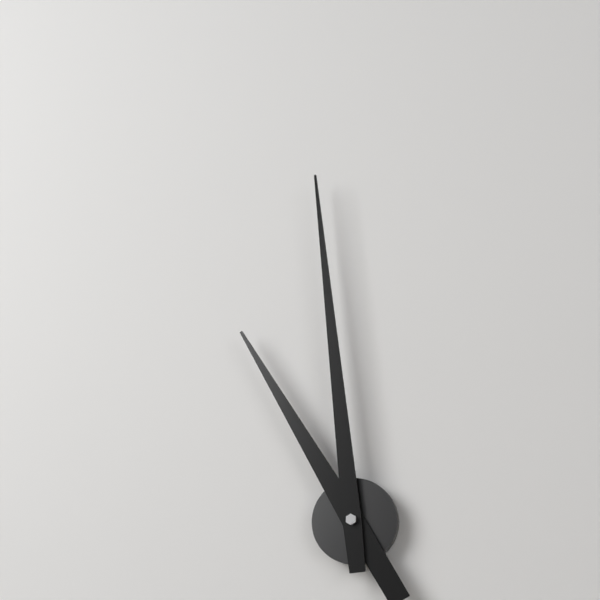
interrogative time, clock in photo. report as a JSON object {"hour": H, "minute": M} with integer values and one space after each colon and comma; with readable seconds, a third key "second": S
{"hour": 10, "minute": 59}
